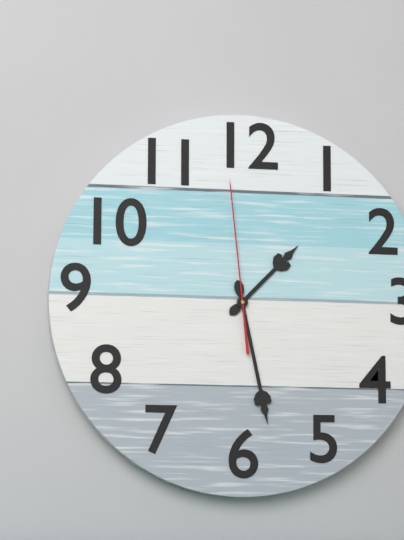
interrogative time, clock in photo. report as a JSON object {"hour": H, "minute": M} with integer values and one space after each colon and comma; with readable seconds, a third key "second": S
{"hour": 1, "minute": 28, "second": 59}
